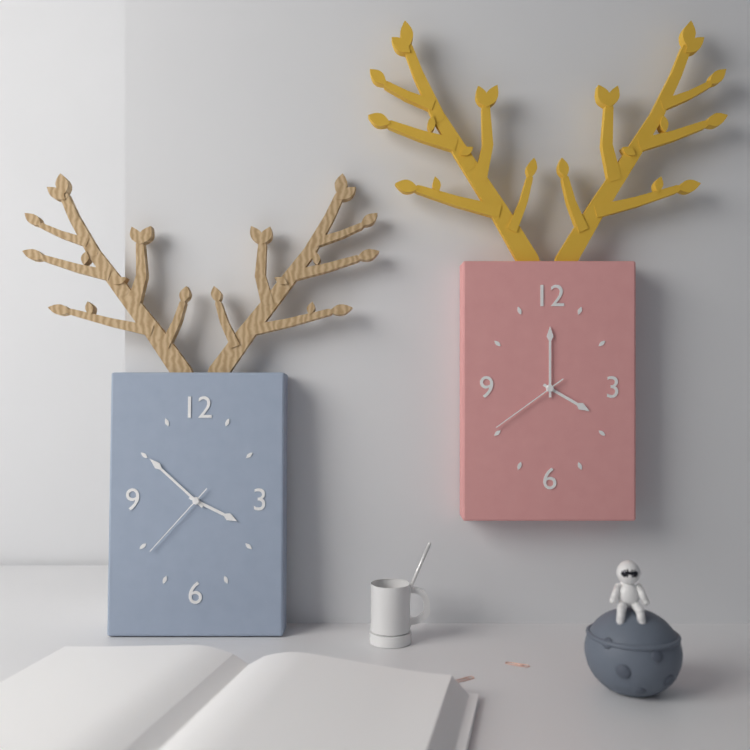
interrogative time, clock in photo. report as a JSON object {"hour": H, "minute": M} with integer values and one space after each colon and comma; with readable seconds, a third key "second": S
{"hour": 3, "minute": 52, "second": 37}
